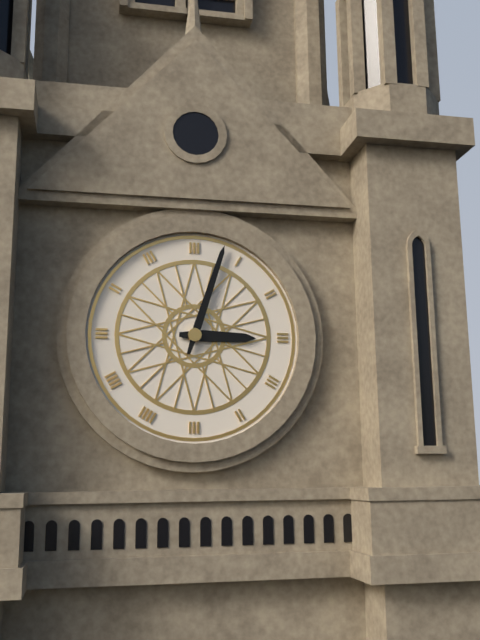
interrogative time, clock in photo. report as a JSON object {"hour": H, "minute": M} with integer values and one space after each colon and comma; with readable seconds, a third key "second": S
{"hour": 3, "minute": 3}
